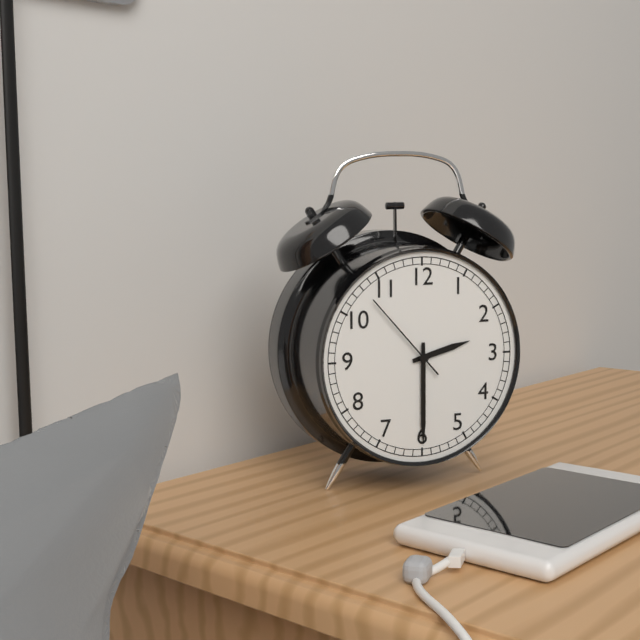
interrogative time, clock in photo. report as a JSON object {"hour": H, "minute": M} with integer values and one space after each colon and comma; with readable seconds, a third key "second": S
{"hour": 2, "minute": 30, "second": 53}
